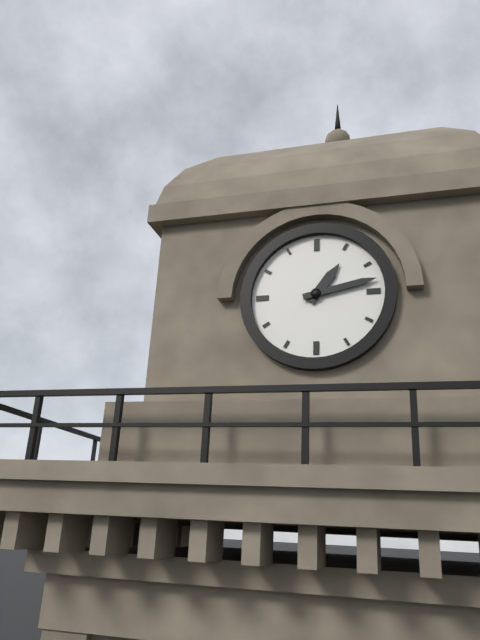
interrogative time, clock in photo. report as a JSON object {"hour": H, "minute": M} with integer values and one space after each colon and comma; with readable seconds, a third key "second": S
{"hour": 1, "minute": 13}
